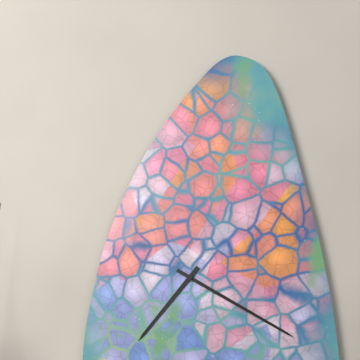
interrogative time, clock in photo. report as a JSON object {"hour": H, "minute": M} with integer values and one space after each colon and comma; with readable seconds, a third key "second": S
{"hour": 7, "minute": 20}
